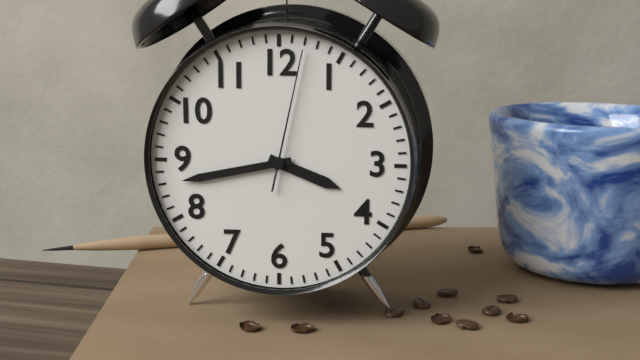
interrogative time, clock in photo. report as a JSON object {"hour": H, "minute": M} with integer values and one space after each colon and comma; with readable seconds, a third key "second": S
{"hour": 3, "minute": 43, "second": 2}
